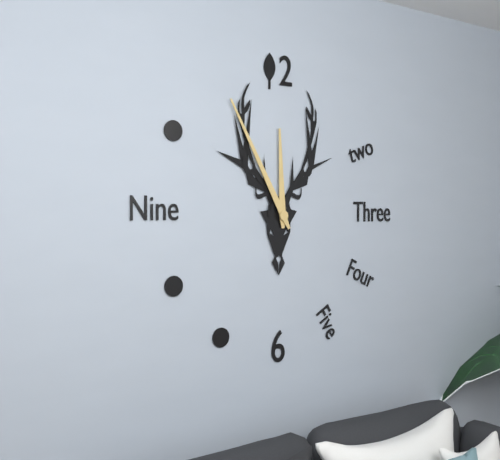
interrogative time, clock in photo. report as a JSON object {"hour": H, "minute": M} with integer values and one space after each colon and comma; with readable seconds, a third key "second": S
{"hour": 11, "minute": 55}
